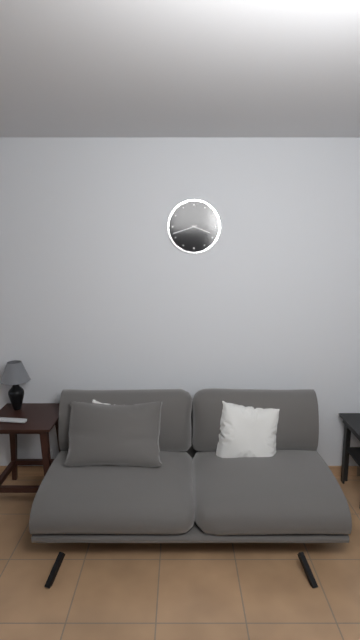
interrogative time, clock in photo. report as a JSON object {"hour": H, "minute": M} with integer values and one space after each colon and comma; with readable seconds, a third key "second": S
{"hour": 3, "minute": 42}
